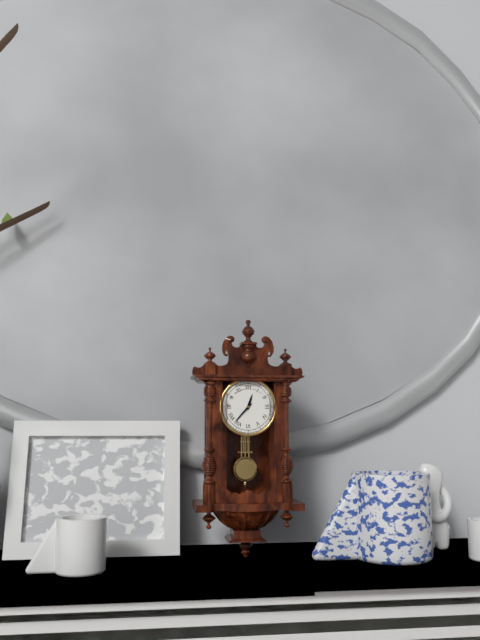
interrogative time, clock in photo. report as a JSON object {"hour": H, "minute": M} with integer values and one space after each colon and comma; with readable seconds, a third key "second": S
{"hour": 12, "minute": 37}
